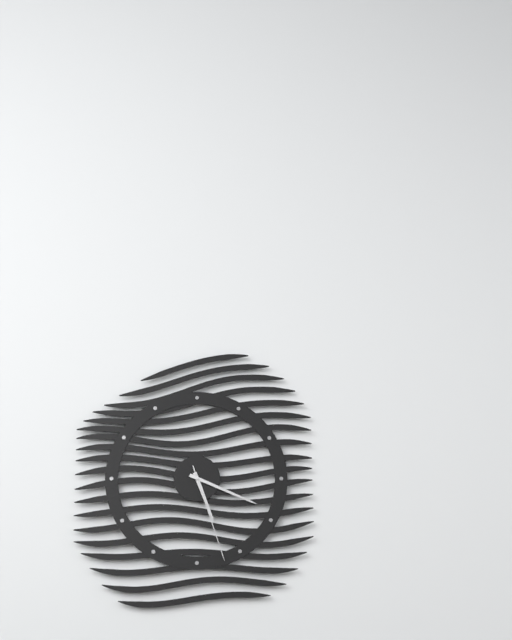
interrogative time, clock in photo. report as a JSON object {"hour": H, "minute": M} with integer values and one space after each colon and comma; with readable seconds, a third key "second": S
{"hour": 5, "minute": 19, "second": 27}
